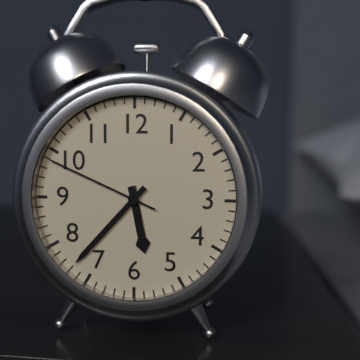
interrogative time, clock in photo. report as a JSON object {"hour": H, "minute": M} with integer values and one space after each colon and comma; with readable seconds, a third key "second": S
{"hour": 5, "minute": 37, "second": 49}
